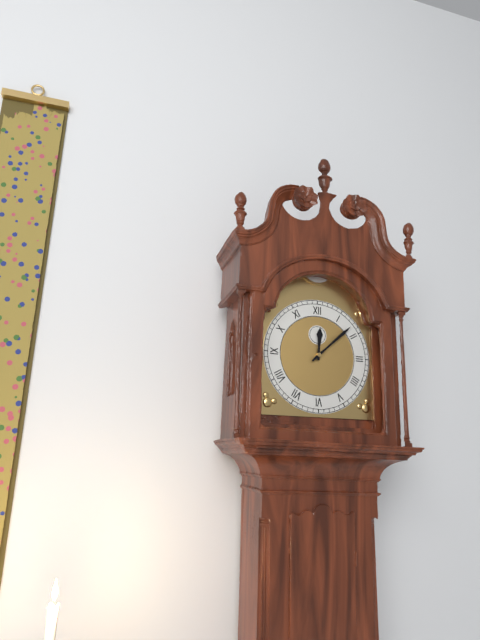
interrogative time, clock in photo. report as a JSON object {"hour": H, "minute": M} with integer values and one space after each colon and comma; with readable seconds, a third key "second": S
{"hour": 12, "minute": 8}
